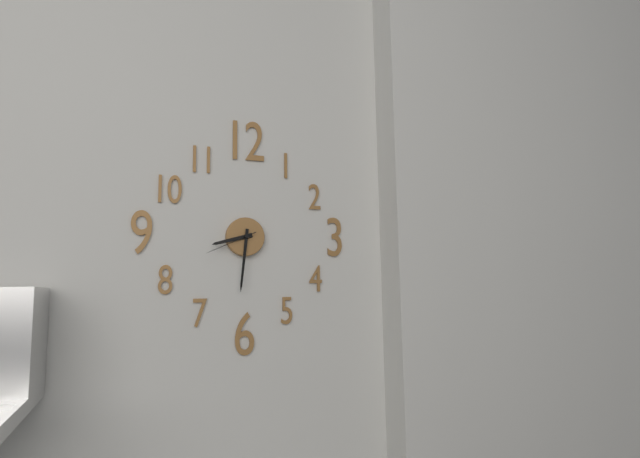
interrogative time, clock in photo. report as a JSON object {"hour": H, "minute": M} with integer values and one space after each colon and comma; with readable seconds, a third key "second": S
{"hour": 8, "minute": 31, "second": 41}
